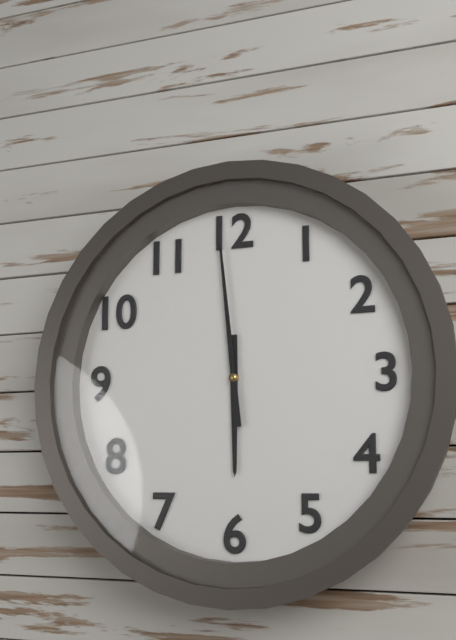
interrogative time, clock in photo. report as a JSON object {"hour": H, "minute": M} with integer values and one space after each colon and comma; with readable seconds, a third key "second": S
{"hour": 5, "minute": 59}
